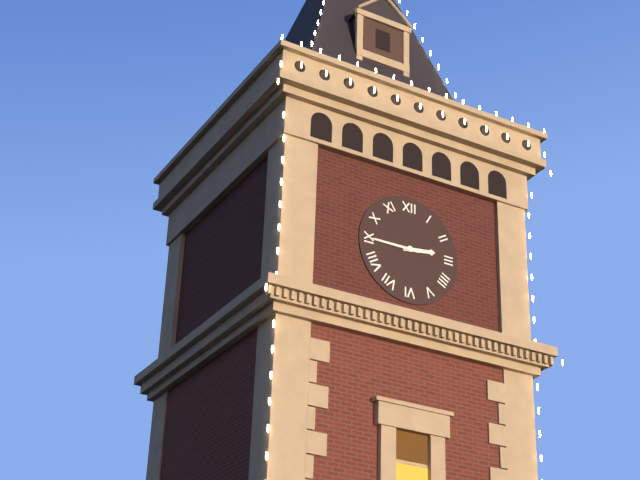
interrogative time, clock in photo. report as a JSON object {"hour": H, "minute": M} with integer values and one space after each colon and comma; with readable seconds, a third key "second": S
{"hour": 2, "minute": 45}
